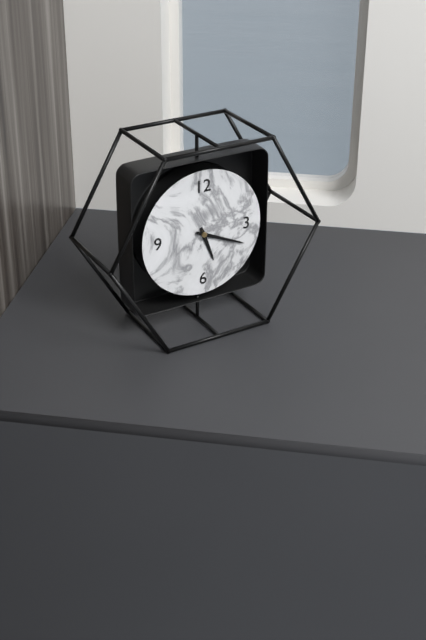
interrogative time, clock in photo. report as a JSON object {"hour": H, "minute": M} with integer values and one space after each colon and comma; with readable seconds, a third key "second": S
{"hour": 5, "minute": 19}
